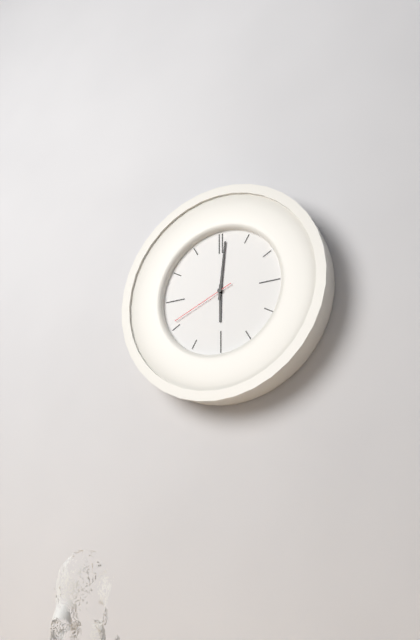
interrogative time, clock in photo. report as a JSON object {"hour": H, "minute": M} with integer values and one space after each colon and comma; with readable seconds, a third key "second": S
{"hour": 6, "minute": 1, "second": 41}
